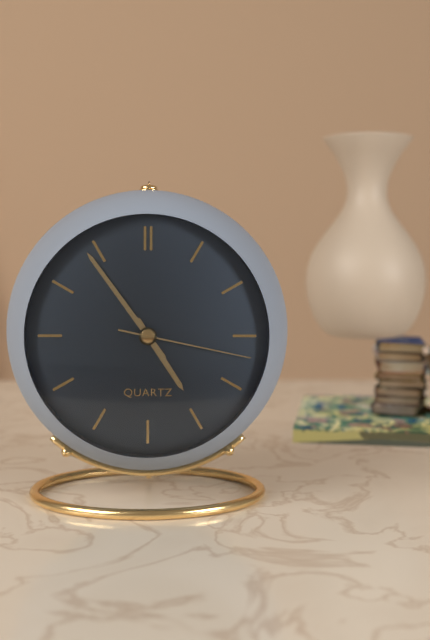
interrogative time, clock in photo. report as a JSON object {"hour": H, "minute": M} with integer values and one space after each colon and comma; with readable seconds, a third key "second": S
{"hour": 4, "minute": 54, "second": 17}
